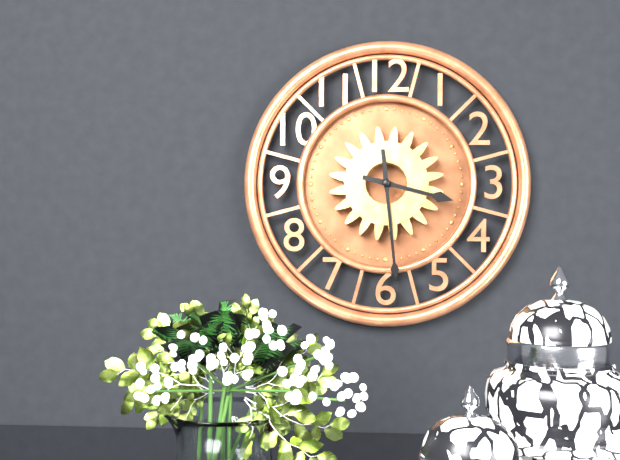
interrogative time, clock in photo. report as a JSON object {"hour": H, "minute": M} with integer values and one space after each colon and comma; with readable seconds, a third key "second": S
{"hour": 3, "minute": 29}
